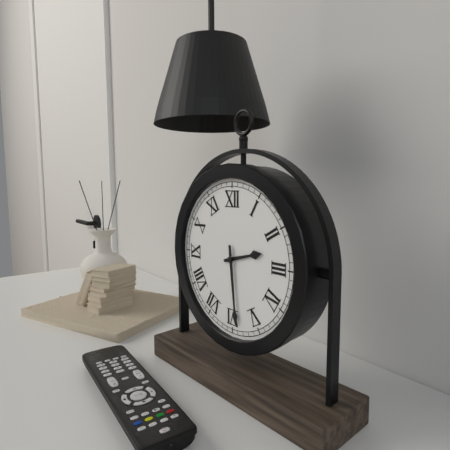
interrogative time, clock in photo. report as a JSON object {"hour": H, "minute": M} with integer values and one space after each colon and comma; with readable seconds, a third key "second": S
{"hour": 2, "minute": 29}
